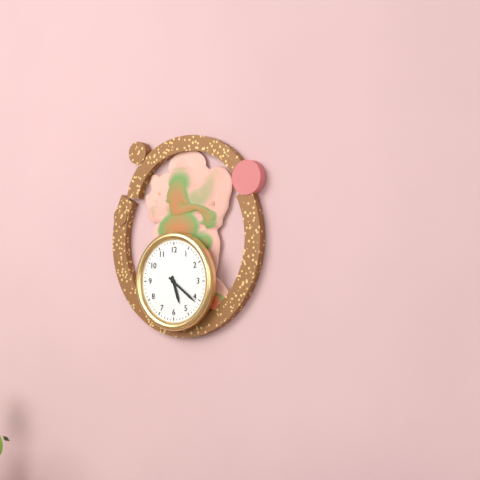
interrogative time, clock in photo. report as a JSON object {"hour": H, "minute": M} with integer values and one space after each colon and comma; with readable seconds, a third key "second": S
{"hour": 5, "minute": 21}
